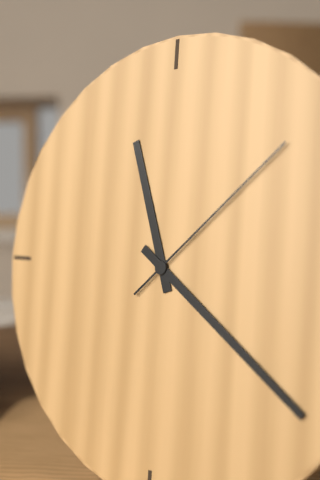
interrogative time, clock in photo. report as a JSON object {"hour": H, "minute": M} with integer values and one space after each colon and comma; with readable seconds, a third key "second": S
{"hour": 11, "minute": 21, "second": 8}
